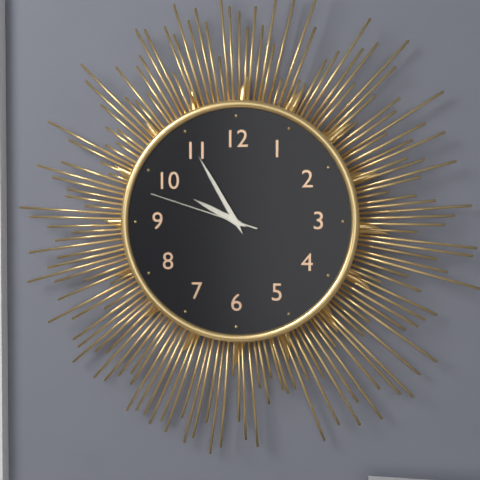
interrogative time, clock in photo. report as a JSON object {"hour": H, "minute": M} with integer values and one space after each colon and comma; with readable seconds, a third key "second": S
{"hour": 9, "minute": 55, "second": 48}
